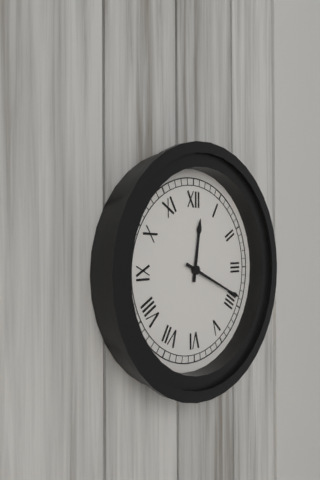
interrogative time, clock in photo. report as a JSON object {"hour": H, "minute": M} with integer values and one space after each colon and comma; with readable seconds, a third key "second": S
{"hour": 12, "minute": 19}
